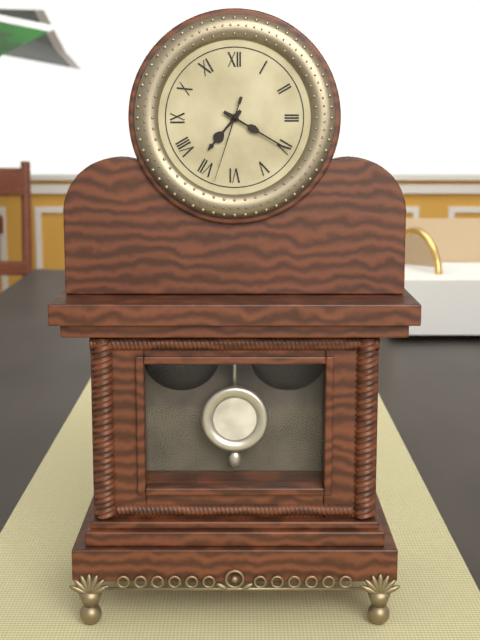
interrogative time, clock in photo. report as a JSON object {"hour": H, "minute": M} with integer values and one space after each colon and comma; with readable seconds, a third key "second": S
{"hour": 7, "minute": 20, "second": 33}
